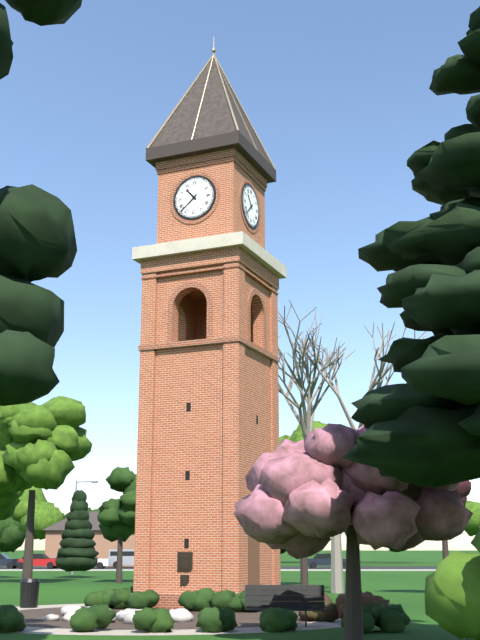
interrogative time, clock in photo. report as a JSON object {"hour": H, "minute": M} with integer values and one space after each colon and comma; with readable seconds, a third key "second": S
{"hour": 10, "minute": 38}
